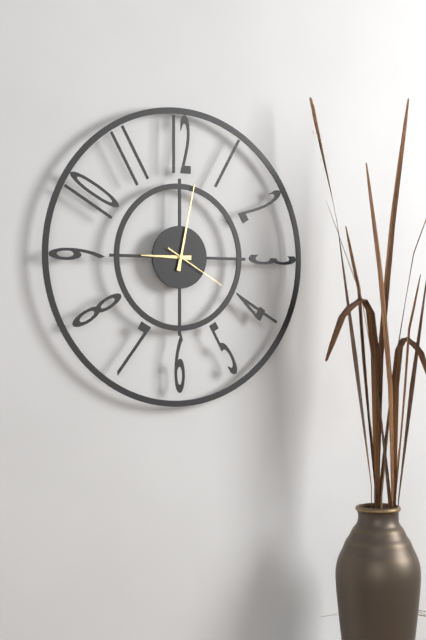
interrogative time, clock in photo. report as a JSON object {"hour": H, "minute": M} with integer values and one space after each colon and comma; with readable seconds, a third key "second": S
{"hour": 9, "minute": 2, "second": 20}
